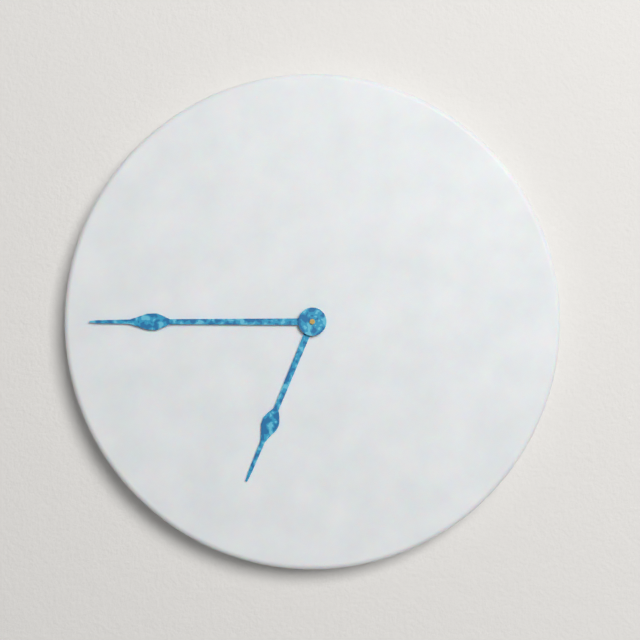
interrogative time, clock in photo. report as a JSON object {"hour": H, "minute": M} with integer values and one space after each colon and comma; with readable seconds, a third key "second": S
{"hour": 6, "minute": 45}
